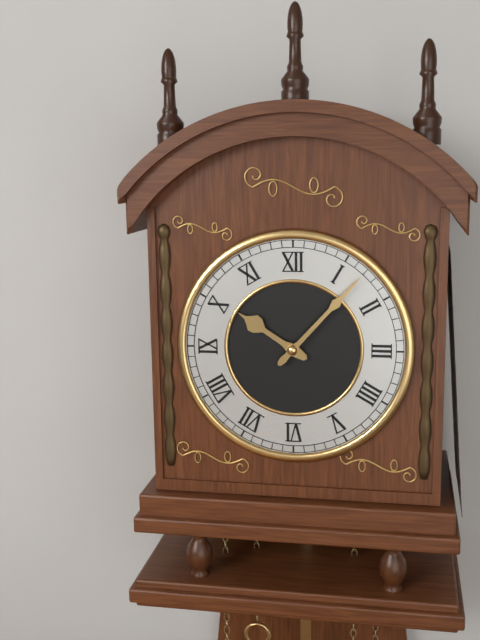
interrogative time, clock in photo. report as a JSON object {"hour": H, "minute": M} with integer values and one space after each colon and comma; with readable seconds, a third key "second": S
{"hour": 10, "minute": 7}
